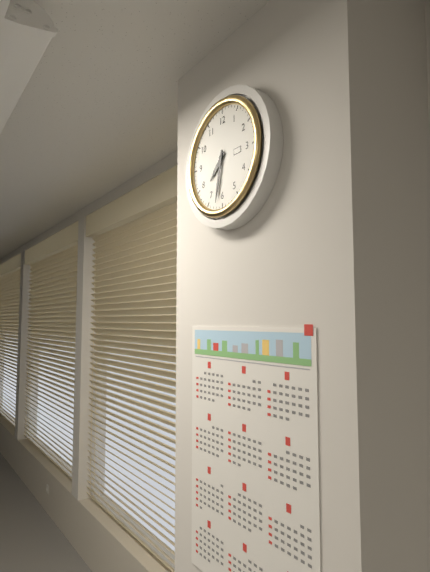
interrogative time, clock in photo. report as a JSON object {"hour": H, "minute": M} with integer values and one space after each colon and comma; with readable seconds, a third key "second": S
{"hour": 7, "minute": 32}
